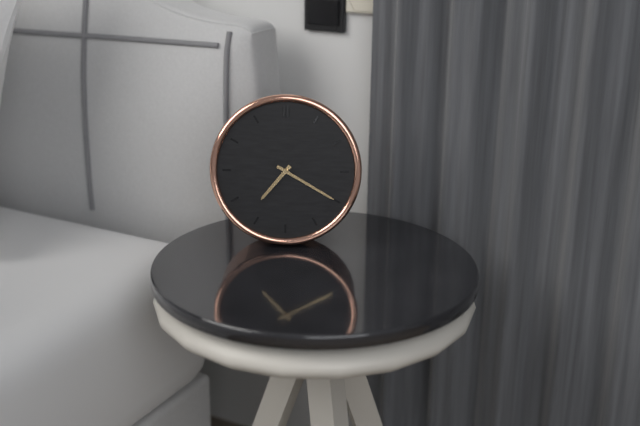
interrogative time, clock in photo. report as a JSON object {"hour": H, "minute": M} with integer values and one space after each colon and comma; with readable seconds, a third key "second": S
{"hour": 7, "minute": 20}
